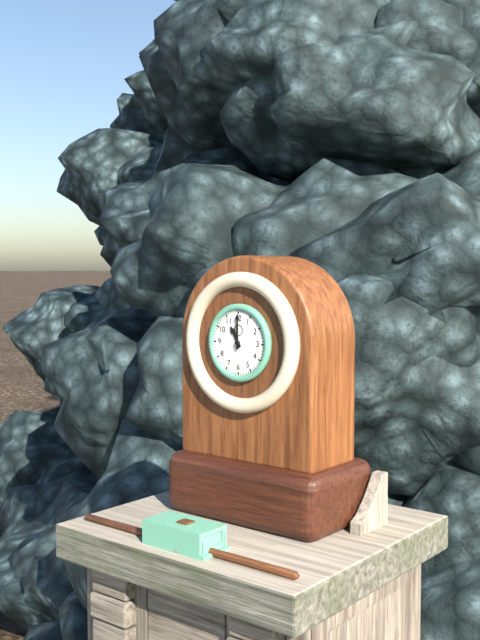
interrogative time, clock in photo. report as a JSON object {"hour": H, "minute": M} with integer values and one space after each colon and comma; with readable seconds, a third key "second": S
{"hour": 11, "minute": 0}
